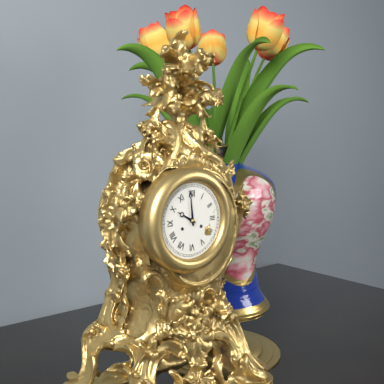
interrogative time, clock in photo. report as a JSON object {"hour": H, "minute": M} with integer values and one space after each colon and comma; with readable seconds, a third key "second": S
{"hour": 9, "minute": 59}
